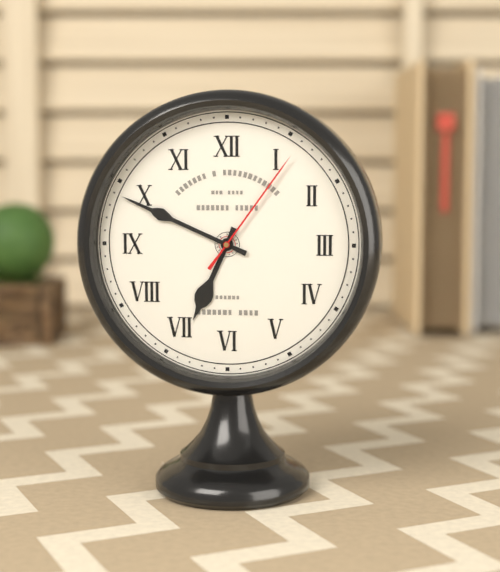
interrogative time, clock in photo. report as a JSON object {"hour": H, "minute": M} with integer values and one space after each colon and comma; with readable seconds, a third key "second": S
{"hour": 6, "minute": 49, "second": 6}
